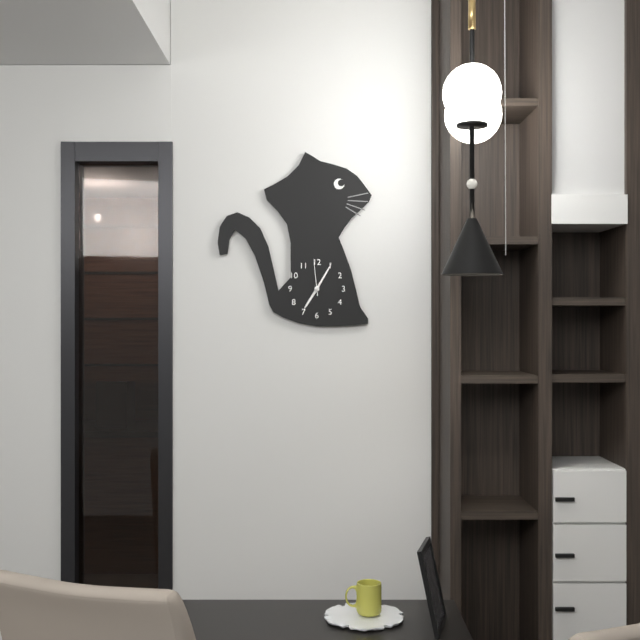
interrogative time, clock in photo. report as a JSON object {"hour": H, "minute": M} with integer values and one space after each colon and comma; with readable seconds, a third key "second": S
{"hour": 7, "minute": 5}
